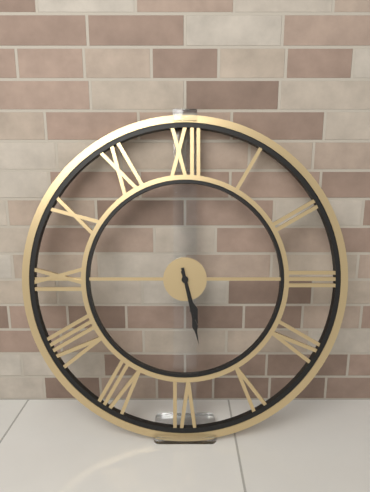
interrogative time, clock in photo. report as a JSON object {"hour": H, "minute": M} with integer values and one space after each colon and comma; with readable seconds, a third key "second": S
{"hour": 5, "minute": 28}
